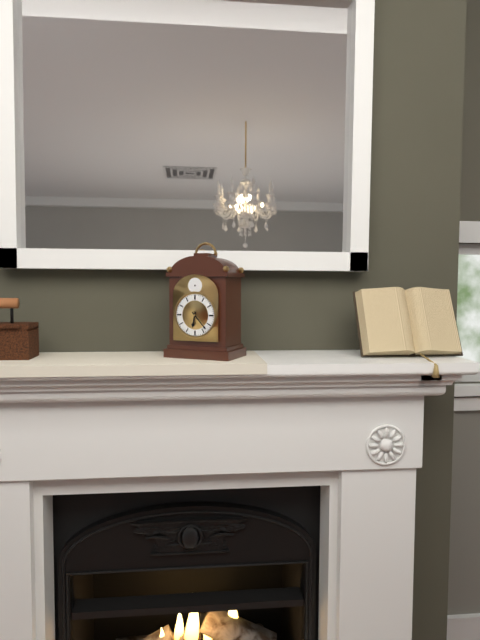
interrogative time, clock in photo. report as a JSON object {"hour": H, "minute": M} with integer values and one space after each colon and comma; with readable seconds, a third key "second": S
{"hour": 6, "minute": 23}
